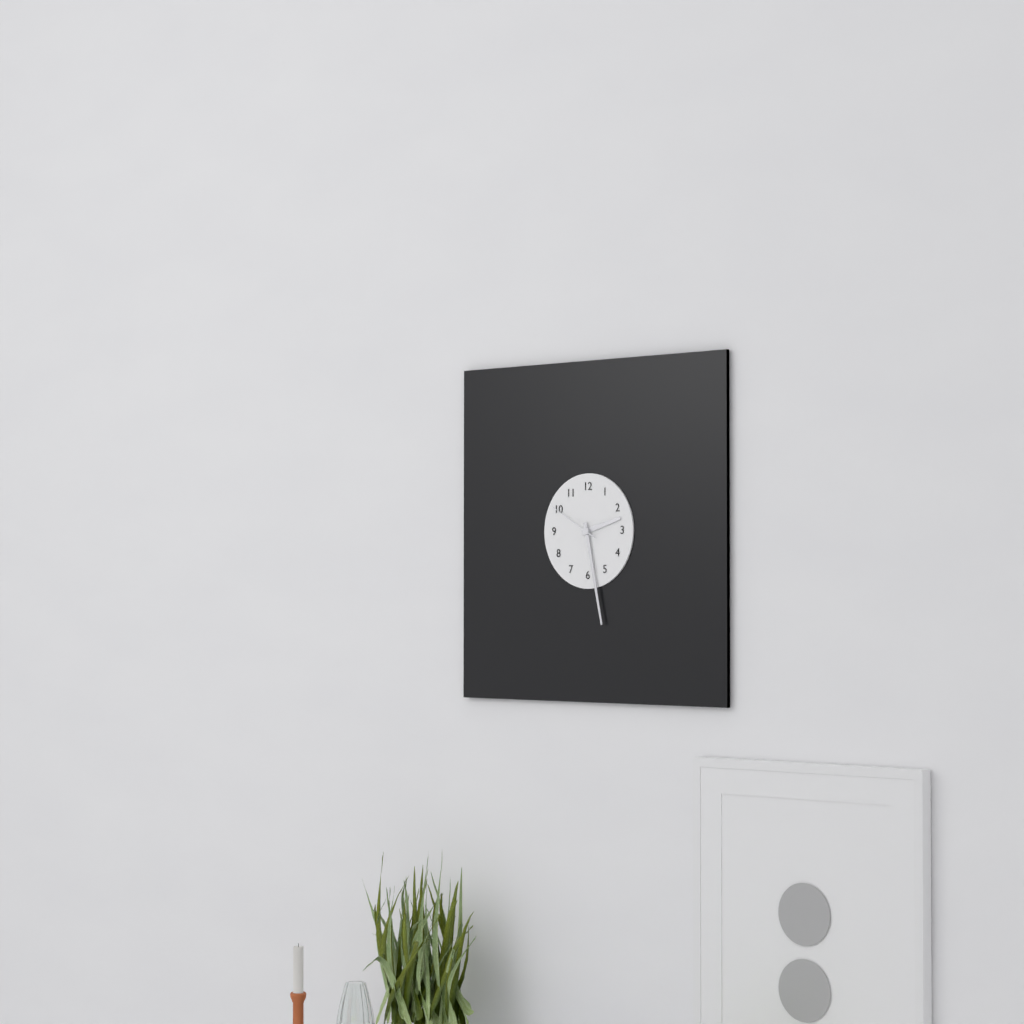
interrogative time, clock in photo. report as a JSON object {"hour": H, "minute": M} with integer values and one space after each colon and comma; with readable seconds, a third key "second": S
{"hour": 2, "minute": 28, "second": 50}
